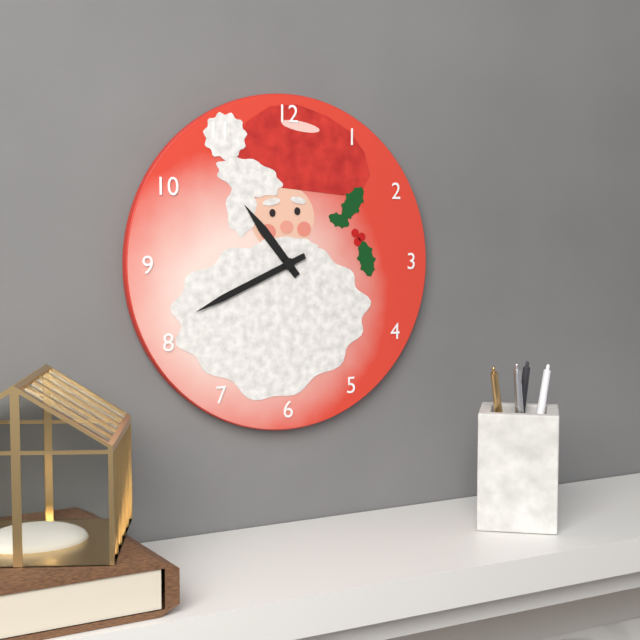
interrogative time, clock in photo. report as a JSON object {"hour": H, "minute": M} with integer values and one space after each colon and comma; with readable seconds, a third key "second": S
{"hour": 10, "minute": 41}
